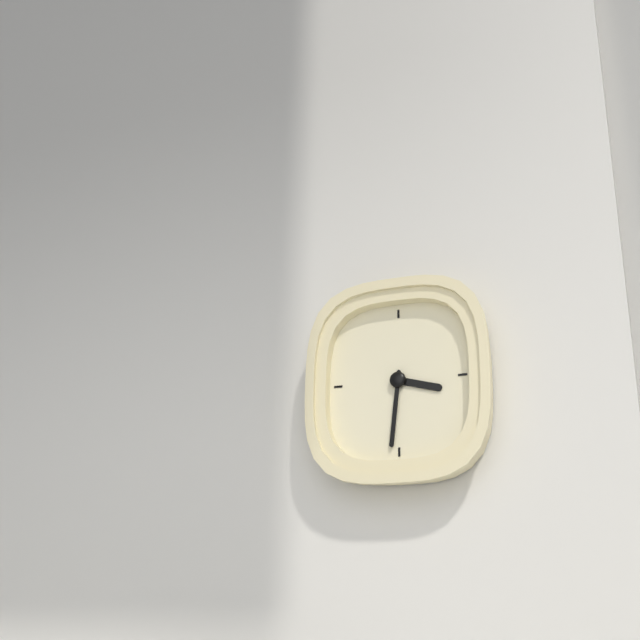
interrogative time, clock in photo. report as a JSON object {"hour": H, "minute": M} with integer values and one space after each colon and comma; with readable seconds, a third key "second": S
{"hour": 3, "minute": 31}
